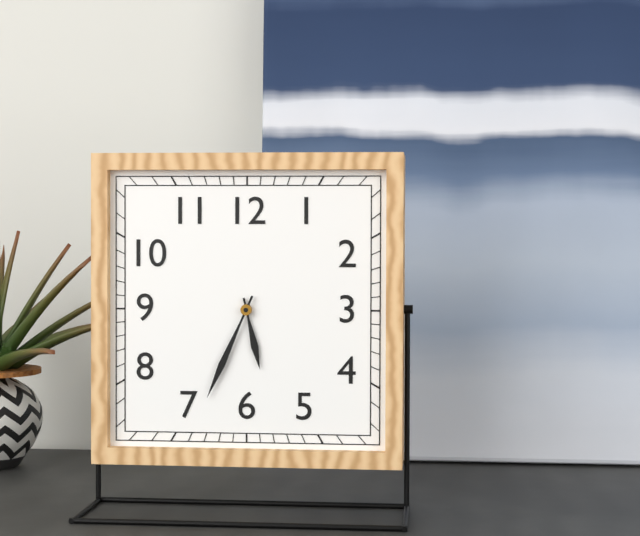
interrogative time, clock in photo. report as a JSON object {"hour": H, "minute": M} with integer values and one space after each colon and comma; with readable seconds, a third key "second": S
{"hour": 5, "minute": 34}
